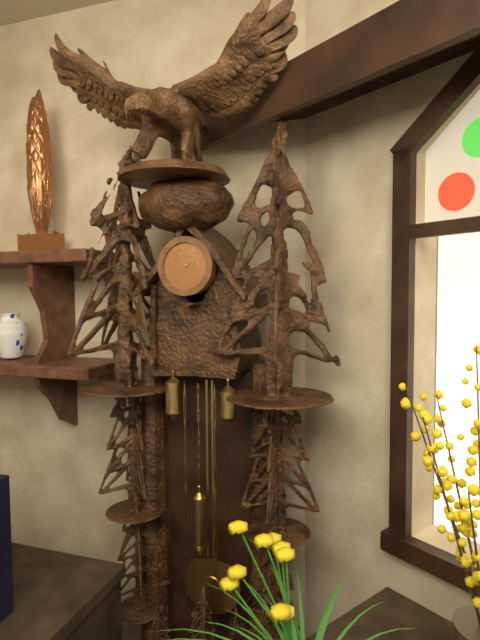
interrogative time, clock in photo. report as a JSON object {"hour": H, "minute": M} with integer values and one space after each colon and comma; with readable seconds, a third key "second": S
{"hour": 1, "minute": 56}
